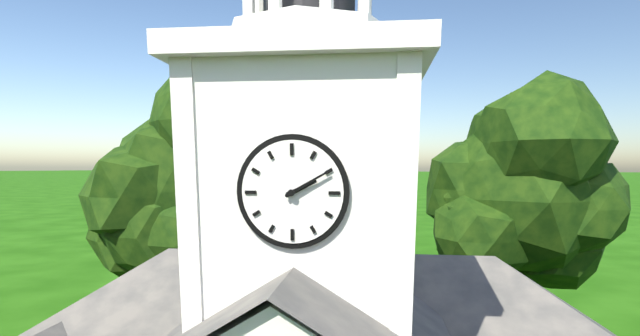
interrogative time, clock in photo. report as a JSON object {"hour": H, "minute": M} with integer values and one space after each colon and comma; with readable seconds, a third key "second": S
{"hour": 2, "minute": 10}
